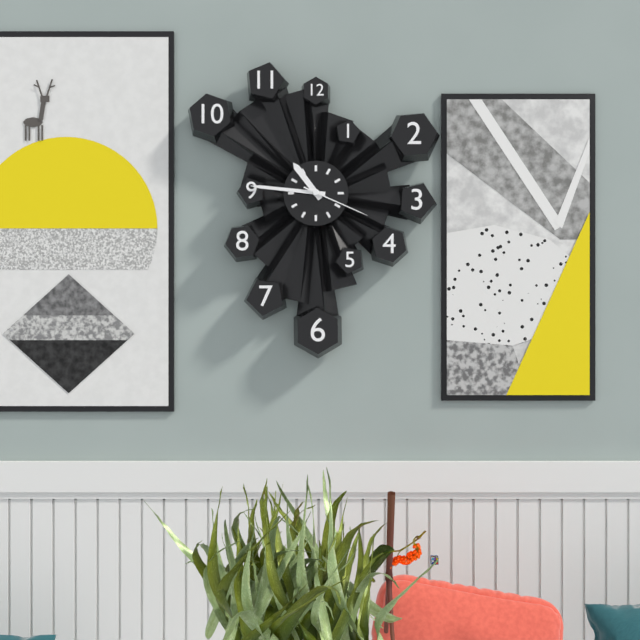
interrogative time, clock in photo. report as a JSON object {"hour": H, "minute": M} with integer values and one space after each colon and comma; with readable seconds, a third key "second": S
{"hour": 10, "minute": 46, "second": 19}
